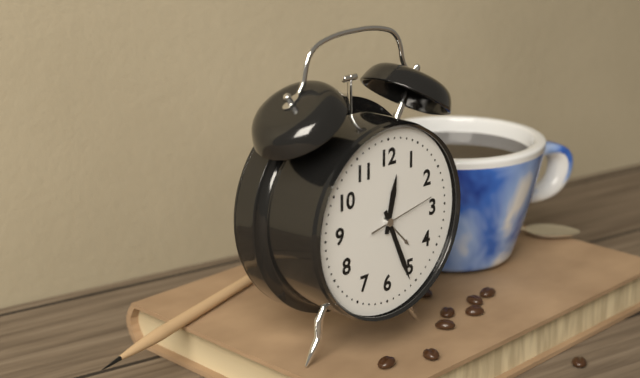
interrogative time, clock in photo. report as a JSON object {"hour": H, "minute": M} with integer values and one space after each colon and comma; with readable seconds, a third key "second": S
{"hour": 12, "minute": 26, "second": 13}
